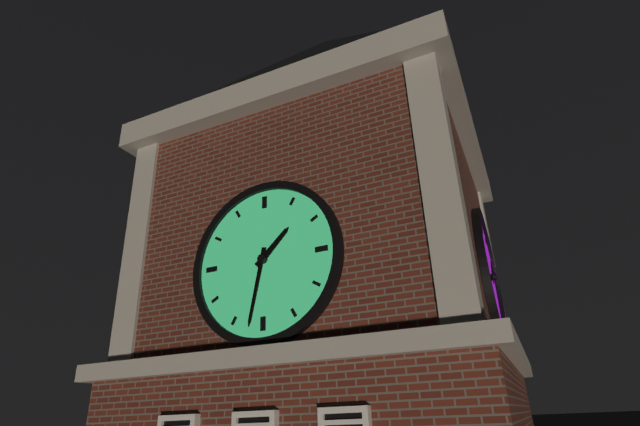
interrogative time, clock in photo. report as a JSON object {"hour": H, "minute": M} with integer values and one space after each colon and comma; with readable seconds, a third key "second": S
{"hour": 1, "minute": 32}
